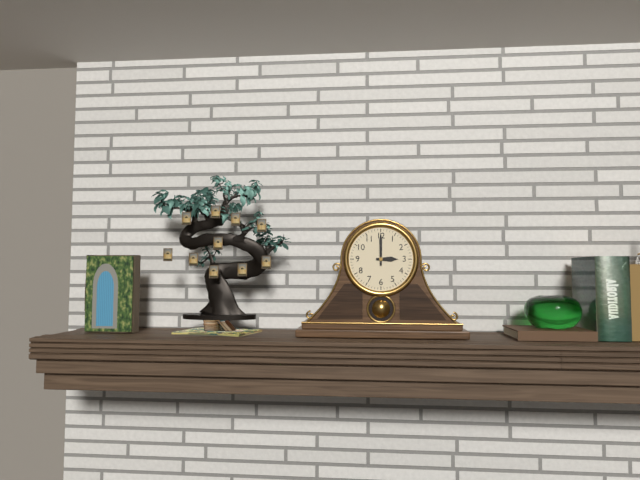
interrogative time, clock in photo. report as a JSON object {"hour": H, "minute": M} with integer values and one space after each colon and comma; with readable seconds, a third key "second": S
{"hour": 3, "minute": 0}
